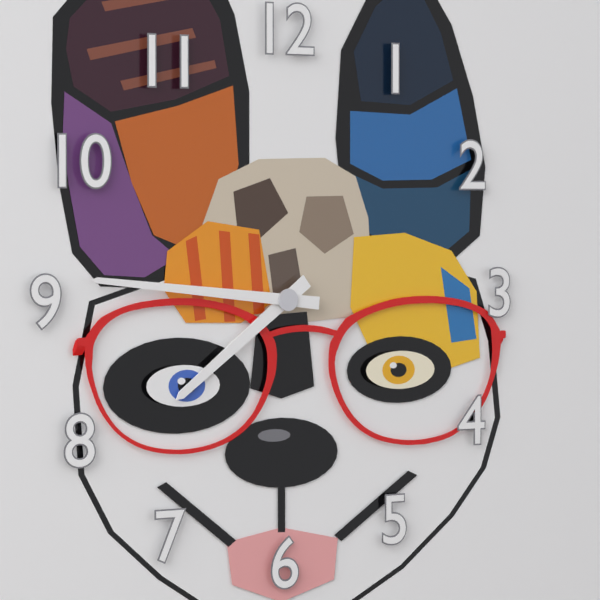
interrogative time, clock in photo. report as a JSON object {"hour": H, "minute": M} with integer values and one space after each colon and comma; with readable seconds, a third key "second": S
{"hour": 7, "minute": 46}
